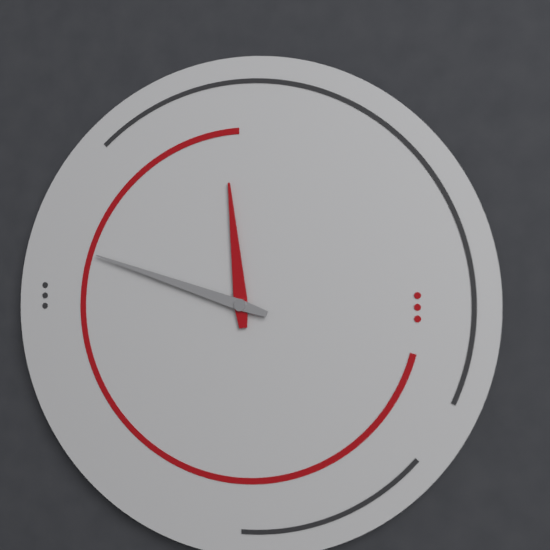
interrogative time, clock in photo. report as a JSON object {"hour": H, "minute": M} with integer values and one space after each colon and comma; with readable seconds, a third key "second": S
{"hour": 11, "minute": 48}
